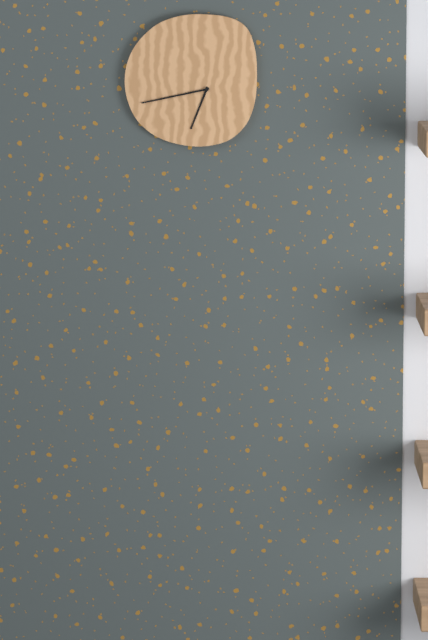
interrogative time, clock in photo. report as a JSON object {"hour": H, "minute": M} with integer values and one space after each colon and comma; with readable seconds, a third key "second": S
{"hour": 6, "minute": 43}
